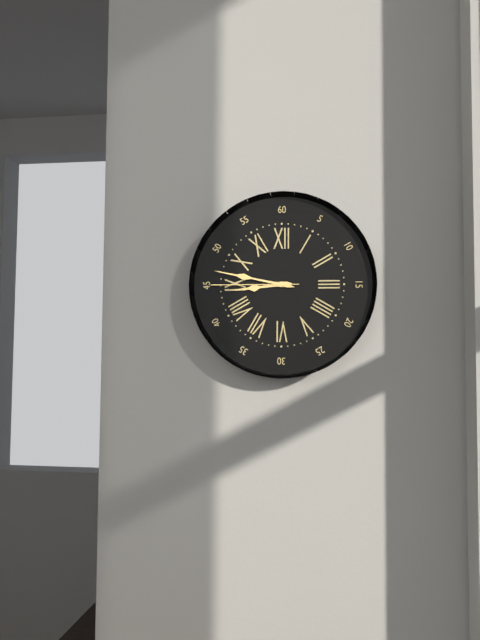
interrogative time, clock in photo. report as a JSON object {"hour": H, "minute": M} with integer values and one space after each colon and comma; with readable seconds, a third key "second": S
{"hour": 8, "minute": 47, "second": 45}
